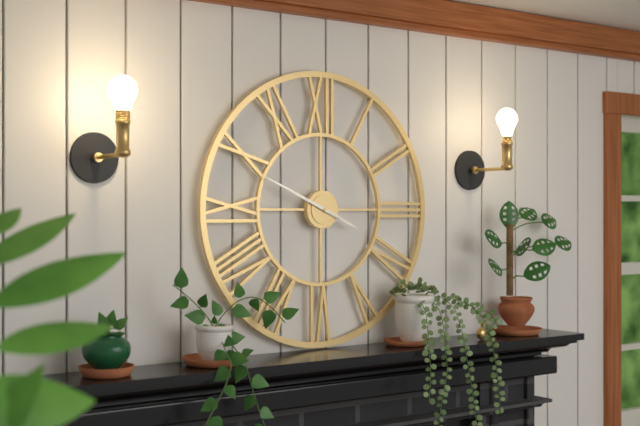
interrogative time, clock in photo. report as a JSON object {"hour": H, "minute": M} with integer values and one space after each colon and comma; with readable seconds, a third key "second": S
{"hour": 3, "minute": 49}
